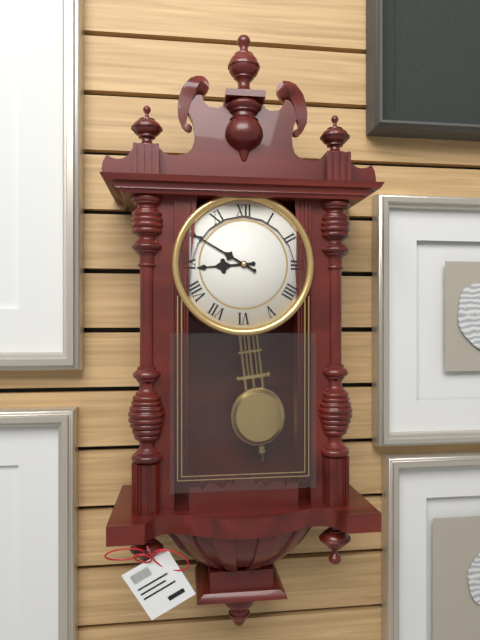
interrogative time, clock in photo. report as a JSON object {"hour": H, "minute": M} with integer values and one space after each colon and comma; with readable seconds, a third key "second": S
{"hour": 8, "minute": 50}
